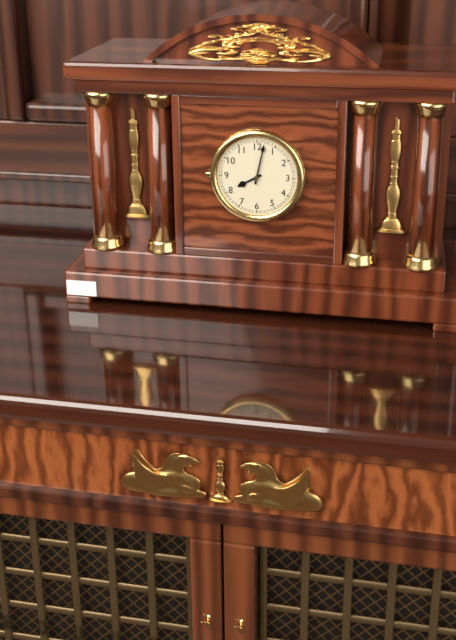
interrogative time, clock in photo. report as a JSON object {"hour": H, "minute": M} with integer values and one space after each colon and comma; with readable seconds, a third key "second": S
{"hour": 8, "minute": 2}
